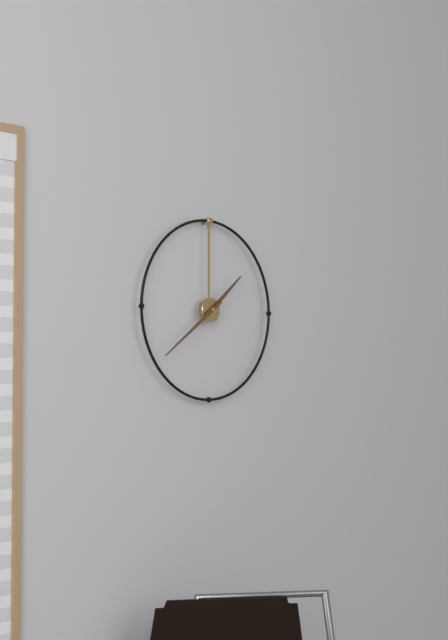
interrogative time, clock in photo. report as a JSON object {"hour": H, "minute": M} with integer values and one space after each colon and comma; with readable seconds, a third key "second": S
{"hour": 1, "minute": 39}
